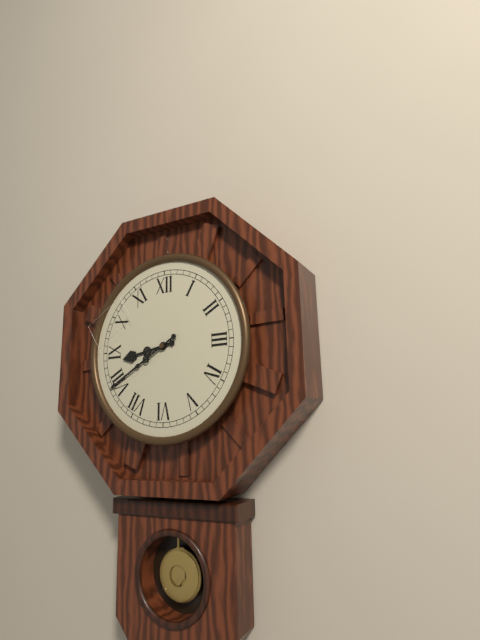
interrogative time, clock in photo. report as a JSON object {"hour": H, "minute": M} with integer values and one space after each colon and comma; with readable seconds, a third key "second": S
{"hour": 8, "minute": 40}
